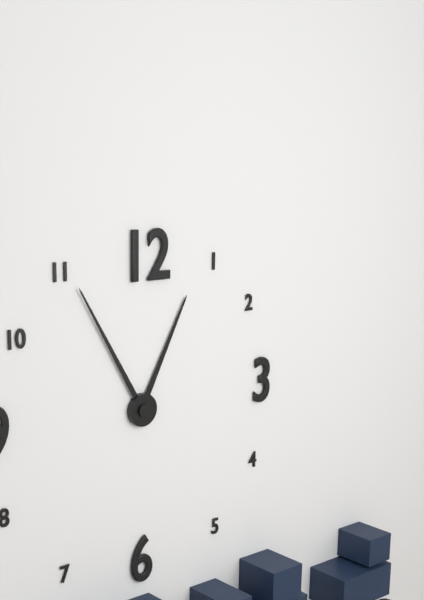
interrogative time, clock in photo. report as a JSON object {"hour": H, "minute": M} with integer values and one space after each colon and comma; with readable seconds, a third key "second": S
{"hour": 12, "minute": 55}
